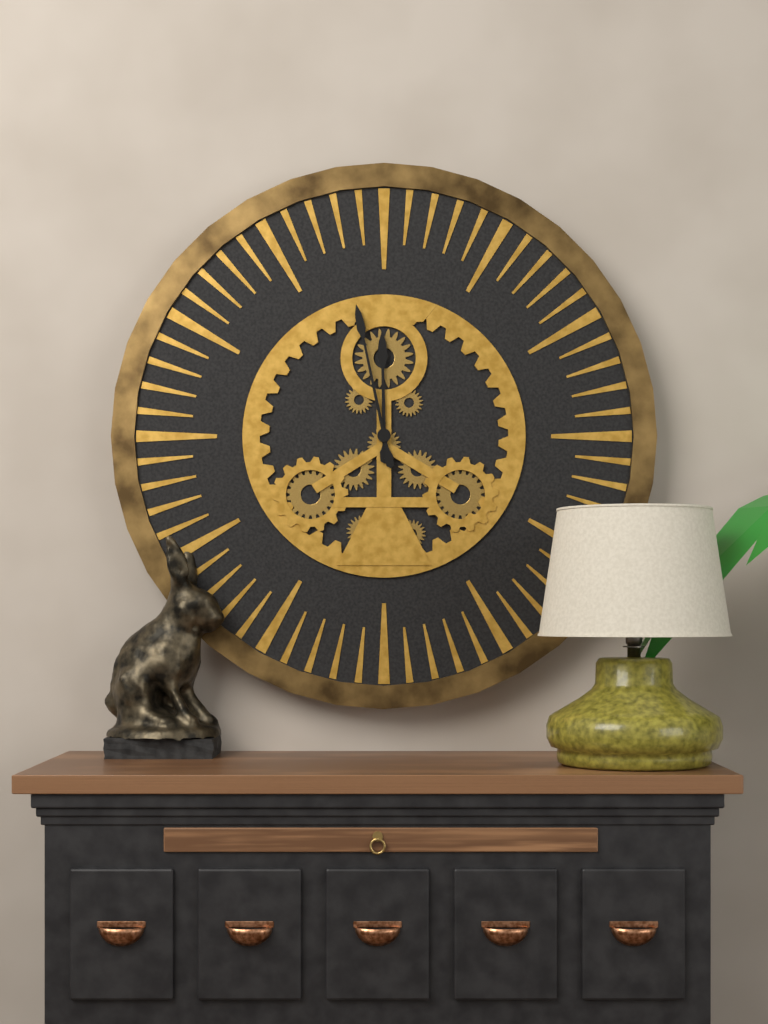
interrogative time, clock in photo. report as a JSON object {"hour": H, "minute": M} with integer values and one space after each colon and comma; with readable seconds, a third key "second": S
{"hour": 11, "minute": 58}
